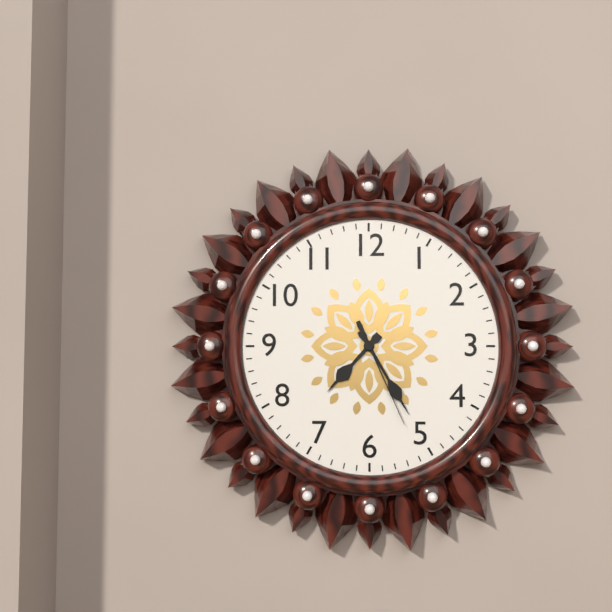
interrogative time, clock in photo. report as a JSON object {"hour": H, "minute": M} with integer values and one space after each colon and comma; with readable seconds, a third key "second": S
{"hour": 7, "minute": 25, "second": 26}
